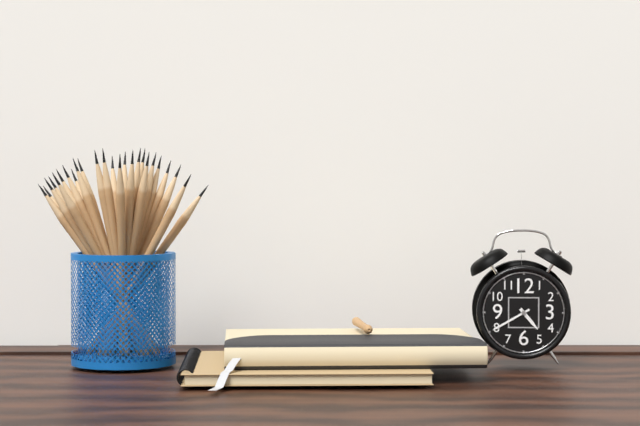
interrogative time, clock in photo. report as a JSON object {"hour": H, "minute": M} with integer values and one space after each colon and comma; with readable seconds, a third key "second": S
{"hour": 4, "minute": 40}
